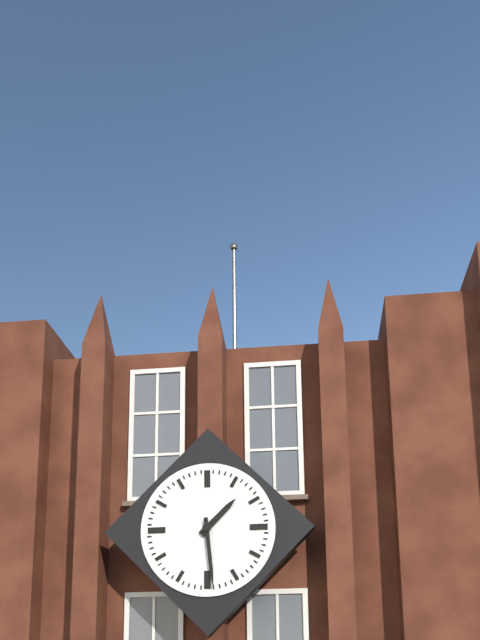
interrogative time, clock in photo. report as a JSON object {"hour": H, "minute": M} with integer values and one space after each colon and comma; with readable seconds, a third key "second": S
{"hour": 1, "minute": 29}
